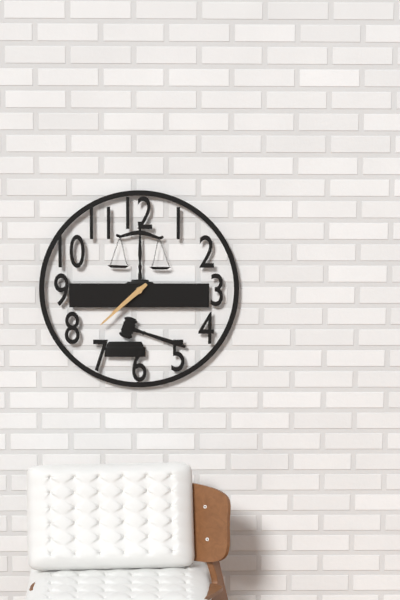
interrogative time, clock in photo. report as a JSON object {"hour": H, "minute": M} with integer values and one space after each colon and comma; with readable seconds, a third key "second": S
{"hour": 7, "minute": 38}
